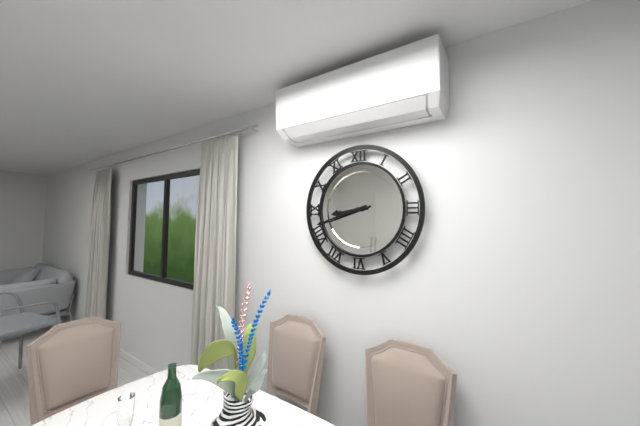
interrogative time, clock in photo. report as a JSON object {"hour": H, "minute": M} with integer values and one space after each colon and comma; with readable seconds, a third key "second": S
{"hour": 8, "minute": 42}
